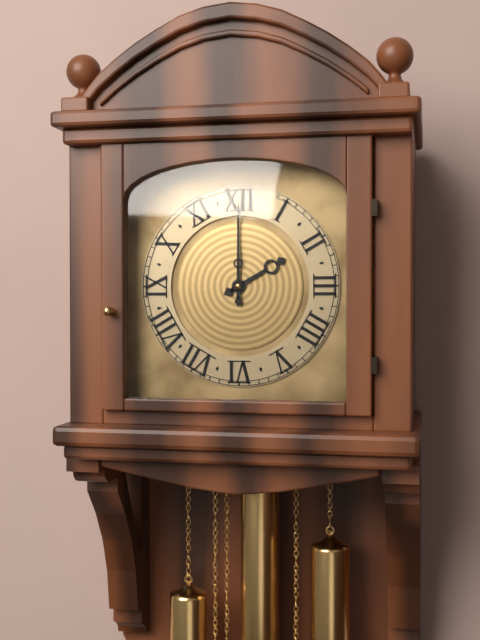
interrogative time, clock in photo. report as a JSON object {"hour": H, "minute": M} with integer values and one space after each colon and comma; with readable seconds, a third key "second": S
{"hour": 2, "minute": 0}
